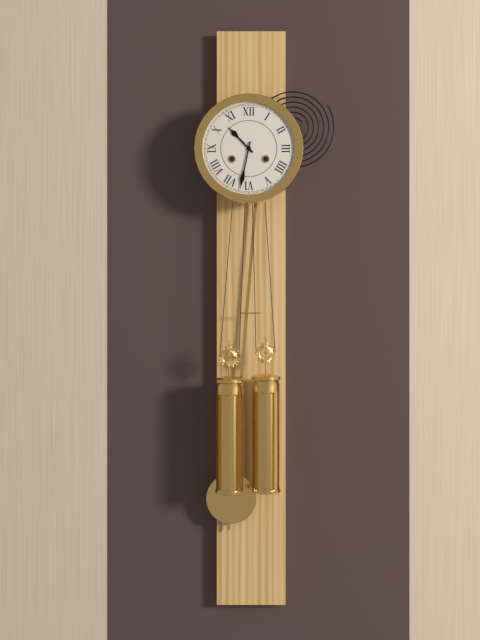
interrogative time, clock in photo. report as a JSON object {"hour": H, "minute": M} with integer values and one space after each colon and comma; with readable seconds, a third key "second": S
{"hour": 10, "minute": 32}
